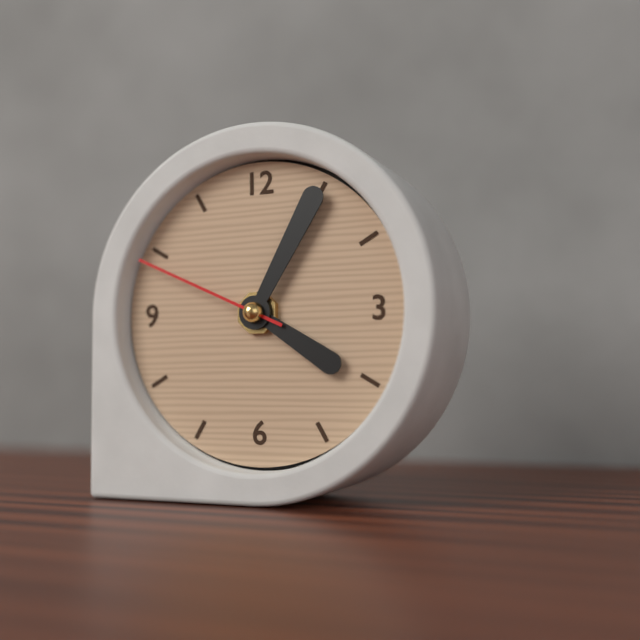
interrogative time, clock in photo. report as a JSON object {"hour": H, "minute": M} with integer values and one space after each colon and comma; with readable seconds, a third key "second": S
{"hour": 4, "minute": 5, "second": 49}
